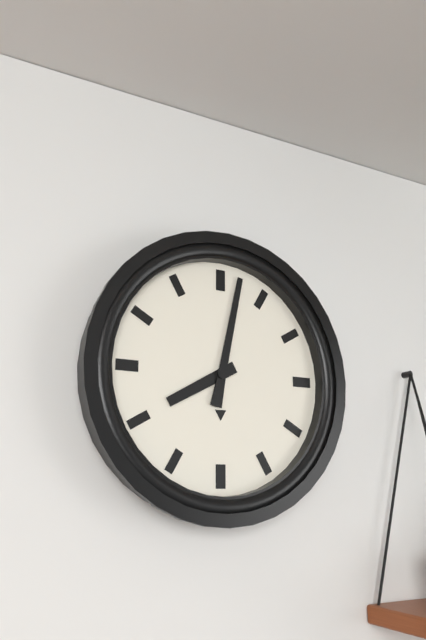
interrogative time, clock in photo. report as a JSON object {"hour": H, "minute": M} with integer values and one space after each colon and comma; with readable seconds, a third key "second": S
{"hour": 8, "minute": 2}
